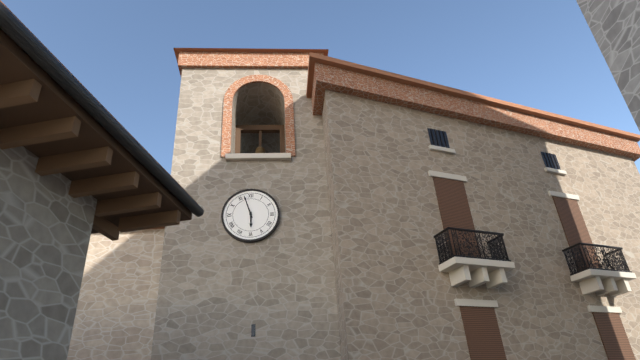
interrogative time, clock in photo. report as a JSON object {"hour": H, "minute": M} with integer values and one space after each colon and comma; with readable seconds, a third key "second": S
{"hour": 5, "minute": 57}
